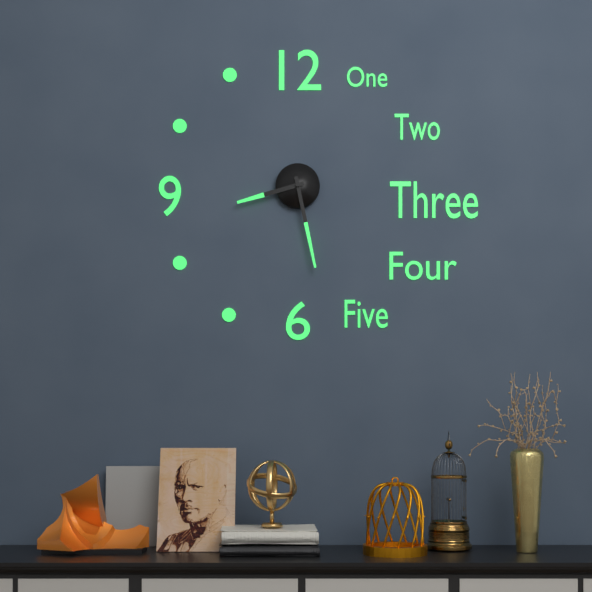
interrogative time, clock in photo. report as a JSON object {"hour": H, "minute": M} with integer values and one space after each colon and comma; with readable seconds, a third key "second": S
{"hour": 8, "minute": 28}
